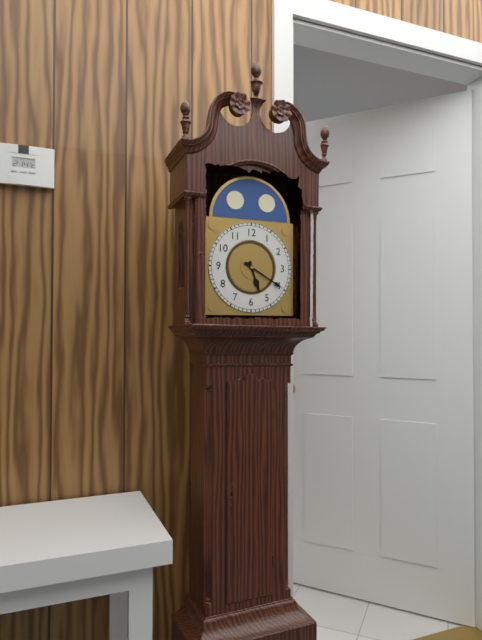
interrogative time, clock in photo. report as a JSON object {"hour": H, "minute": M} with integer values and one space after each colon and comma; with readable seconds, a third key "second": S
{"hour": 5, "minute": 20}
